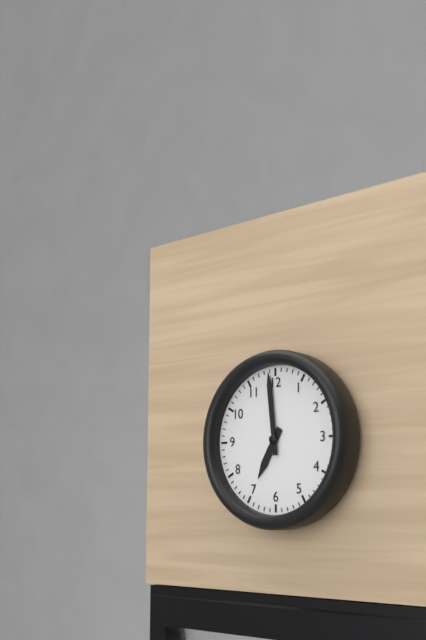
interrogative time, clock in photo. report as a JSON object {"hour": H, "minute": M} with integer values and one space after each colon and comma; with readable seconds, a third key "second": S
{"hour": 6, "minute": 59}
